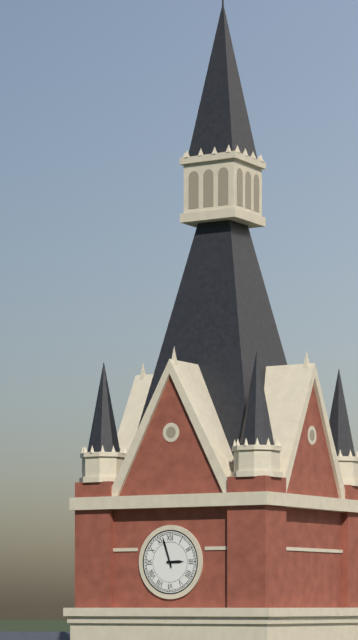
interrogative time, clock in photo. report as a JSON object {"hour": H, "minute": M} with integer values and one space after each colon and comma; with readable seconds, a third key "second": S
{"hour": 2, "minute": 57}
